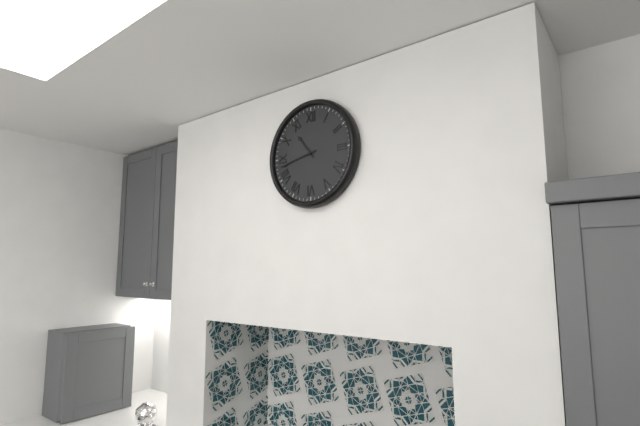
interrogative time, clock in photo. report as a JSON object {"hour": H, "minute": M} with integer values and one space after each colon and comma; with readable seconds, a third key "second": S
{"hour": 10, "minute": 43}
